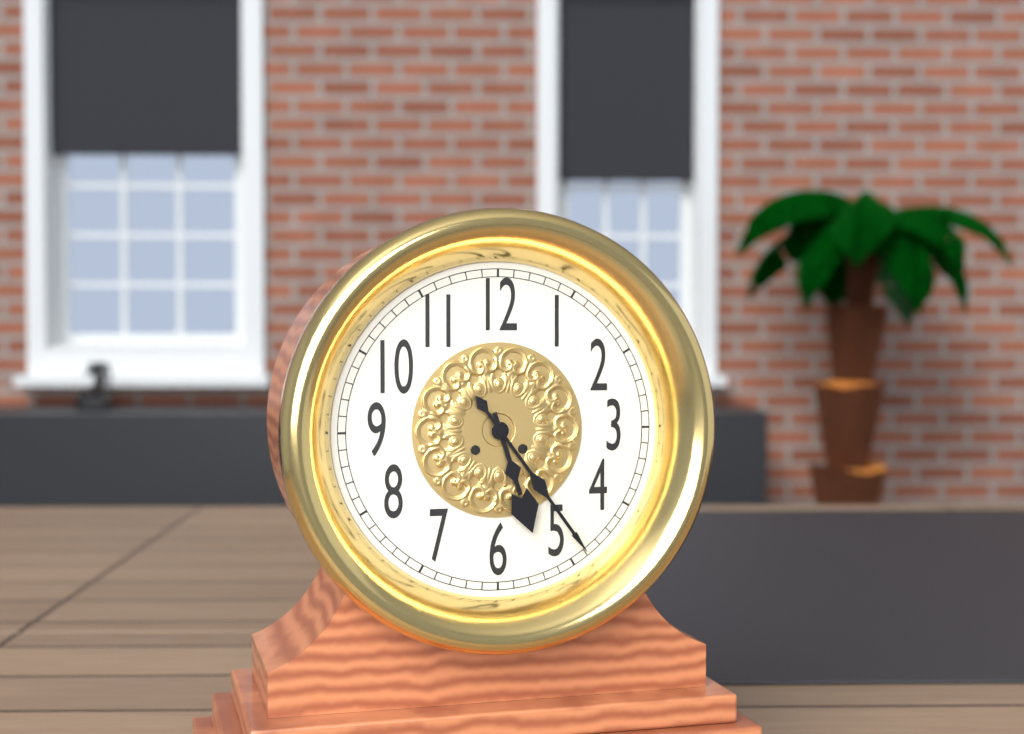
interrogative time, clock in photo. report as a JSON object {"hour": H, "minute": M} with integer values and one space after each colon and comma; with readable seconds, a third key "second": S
{"hour": 5, "minute": 24}
